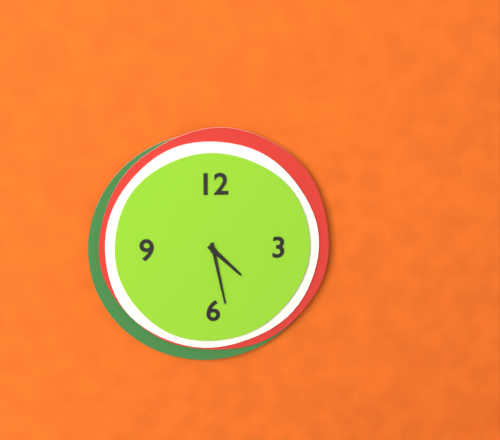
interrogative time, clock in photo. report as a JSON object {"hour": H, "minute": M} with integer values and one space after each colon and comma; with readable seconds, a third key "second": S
{"hour": 4, "minute": 28}
